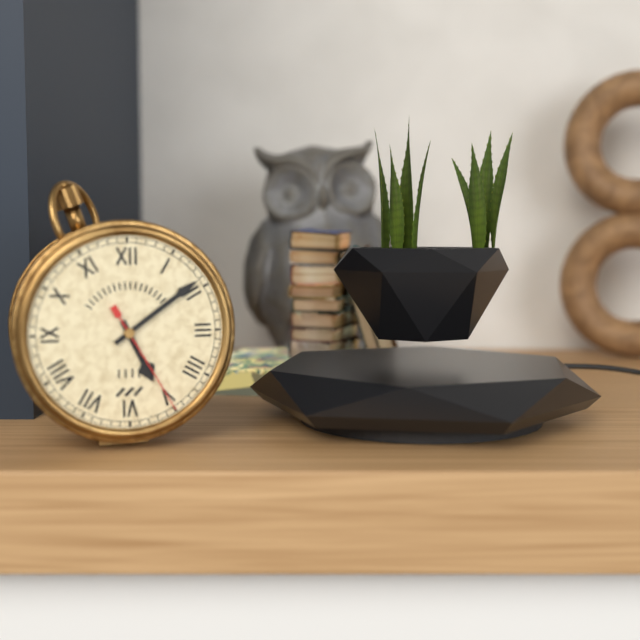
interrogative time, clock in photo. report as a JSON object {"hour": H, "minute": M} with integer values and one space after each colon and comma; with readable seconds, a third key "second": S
{"hour": 5, "minute": 9, "second": 25}
